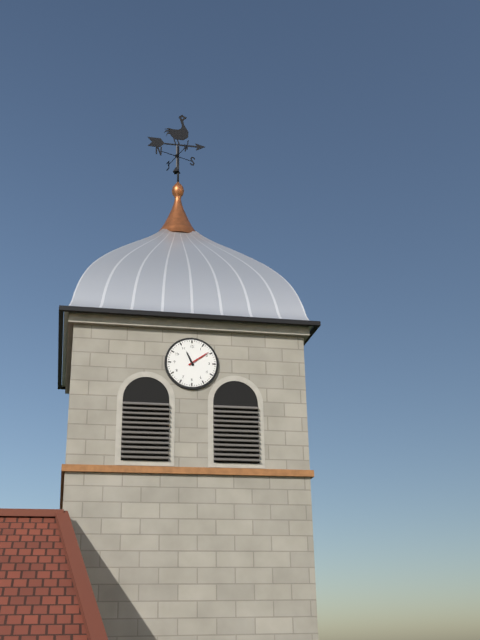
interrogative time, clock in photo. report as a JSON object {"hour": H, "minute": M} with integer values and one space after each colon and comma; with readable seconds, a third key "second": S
{"hour": 11, "minute": 9}
